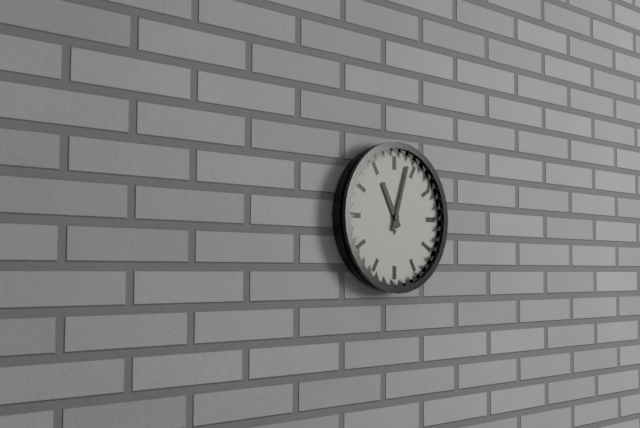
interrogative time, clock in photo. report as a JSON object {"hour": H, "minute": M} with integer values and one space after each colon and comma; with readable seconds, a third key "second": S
{"hour": 11, "minute": 3}
